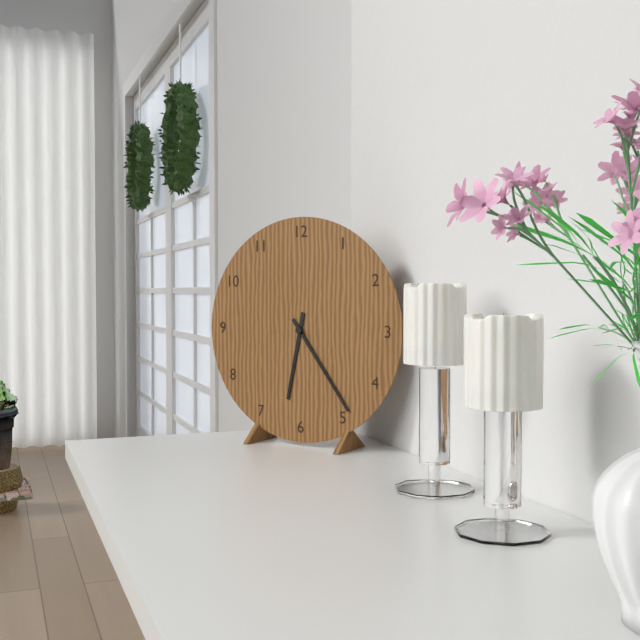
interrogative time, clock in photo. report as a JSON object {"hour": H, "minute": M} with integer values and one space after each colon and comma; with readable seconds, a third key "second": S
{"hour": 6, "minute": 24}
